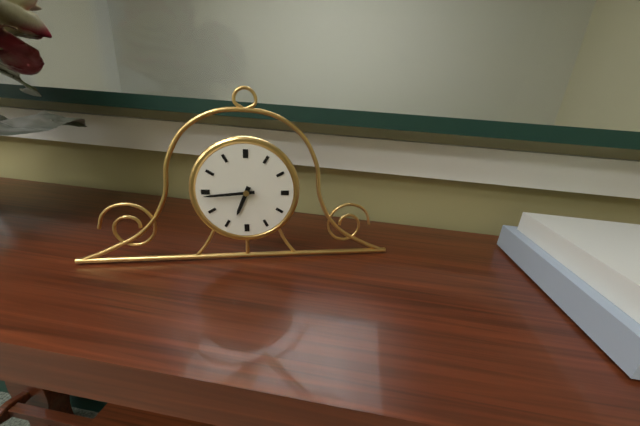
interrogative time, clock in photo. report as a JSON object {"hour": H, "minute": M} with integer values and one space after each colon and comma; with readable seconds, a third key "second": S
{"hour": 6, "minute": 44}
